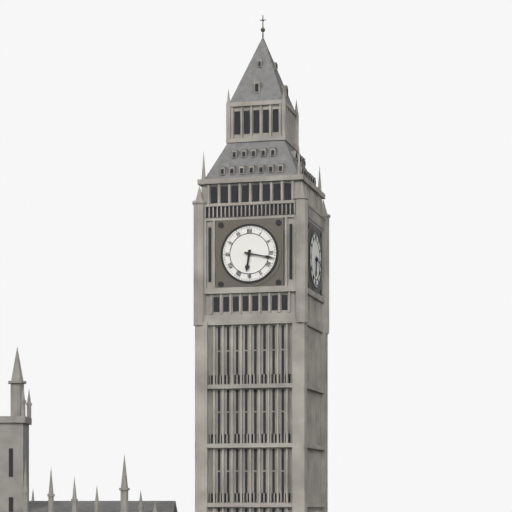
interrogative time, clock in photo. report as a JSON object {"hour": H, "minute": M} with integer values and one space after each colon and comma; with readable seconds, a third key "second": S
{"hour": 6, "minute": 17}
